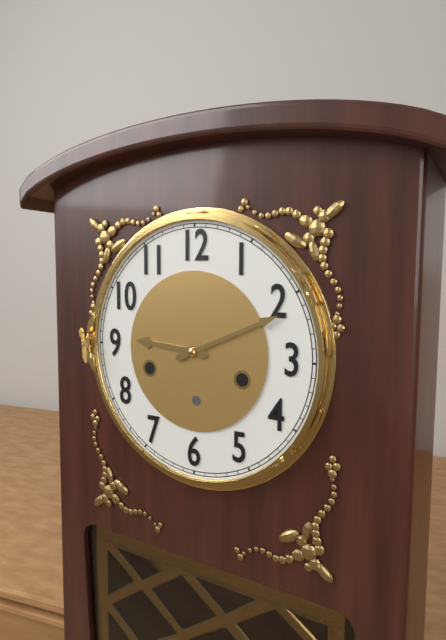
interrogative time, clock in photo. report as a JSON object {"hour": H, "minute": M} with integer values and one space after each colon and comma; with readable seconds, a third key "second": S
{"hour": 9, "minute": 11}
